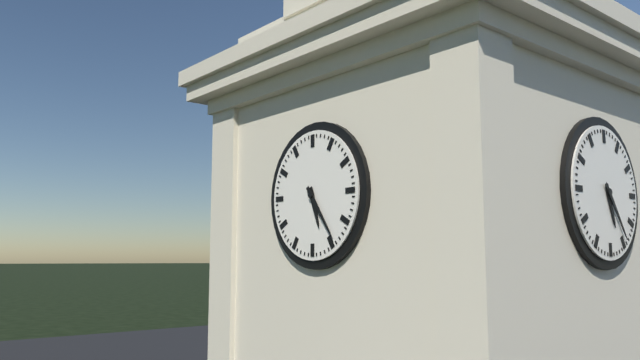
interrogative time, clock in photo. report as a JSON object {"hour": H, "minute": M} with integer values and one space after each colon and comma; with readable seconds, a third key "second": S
{"hour": 5, "minute": 24}
